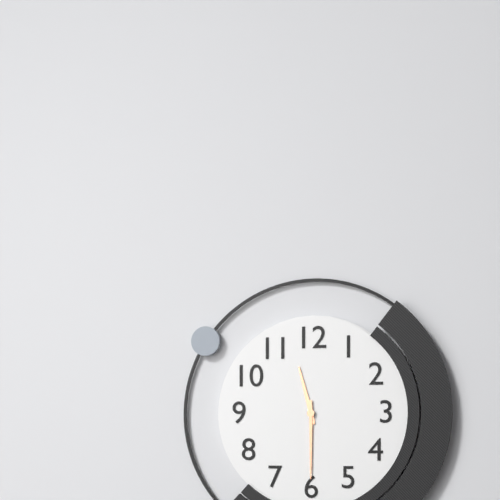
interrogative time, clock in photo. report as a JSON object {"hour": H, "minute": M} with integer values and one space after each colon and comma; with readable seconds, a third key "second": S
{"hour": 11, "minute": 30}
